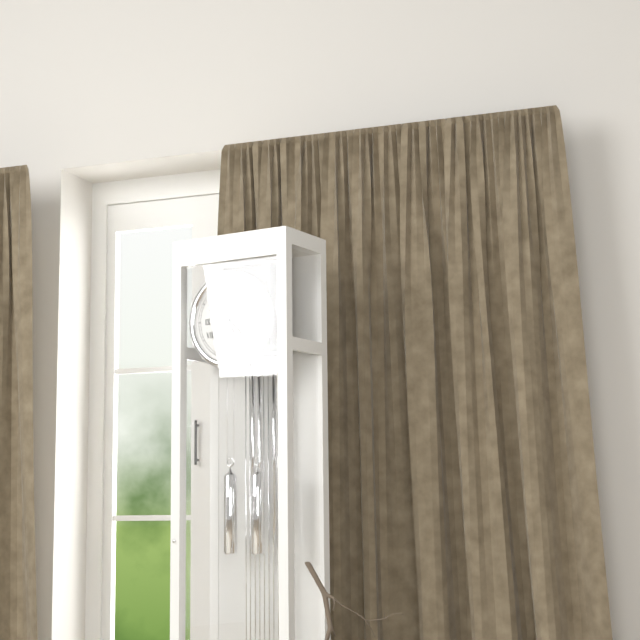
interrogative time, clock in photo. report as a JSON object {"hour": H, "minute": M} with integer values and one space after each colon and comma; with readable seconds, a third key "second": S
{"hour": 5, "minute": 23}
